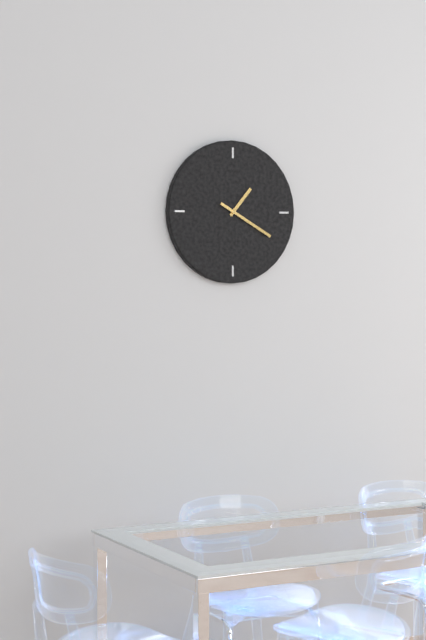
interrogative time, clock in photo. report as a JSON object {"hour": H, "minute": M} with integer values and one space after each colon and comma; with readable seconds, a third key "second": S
{"hour": 1, "minute": 20}
